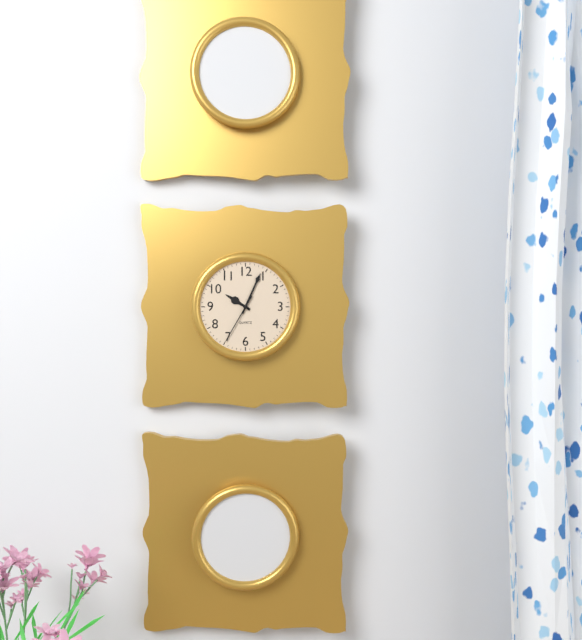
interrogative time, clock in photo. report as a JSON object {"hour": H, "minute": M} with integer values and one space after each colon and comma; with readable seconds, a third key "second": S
{"hour": 10, "minute": 4, "second": 35}
